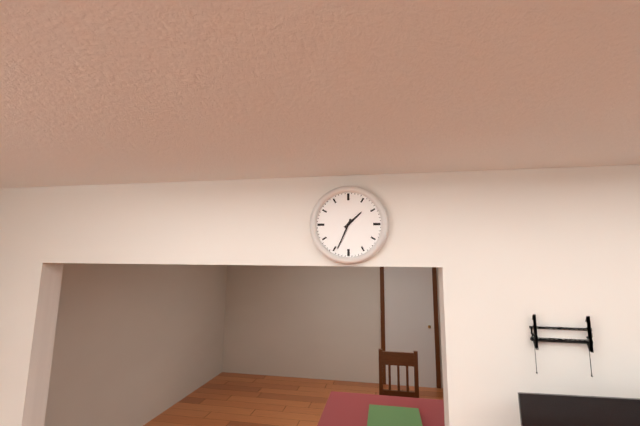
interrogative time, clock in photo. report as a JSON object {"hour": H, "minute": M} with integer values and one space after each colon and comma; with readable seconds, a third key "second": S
{"hour": 1, "minute": 34}
